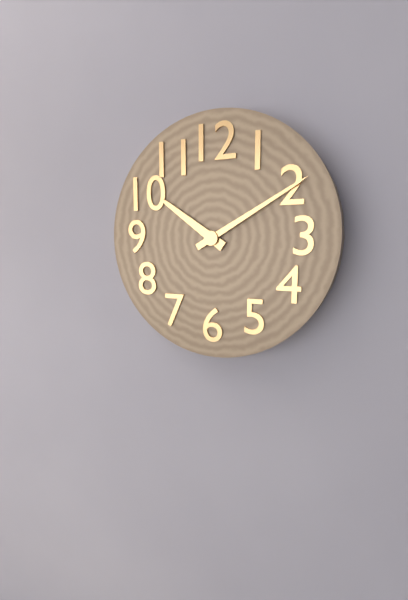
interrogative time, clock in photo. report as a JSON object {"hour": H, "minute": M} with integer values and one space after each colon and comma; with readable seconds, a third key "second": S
{"hour": 10, "minute": 10}
